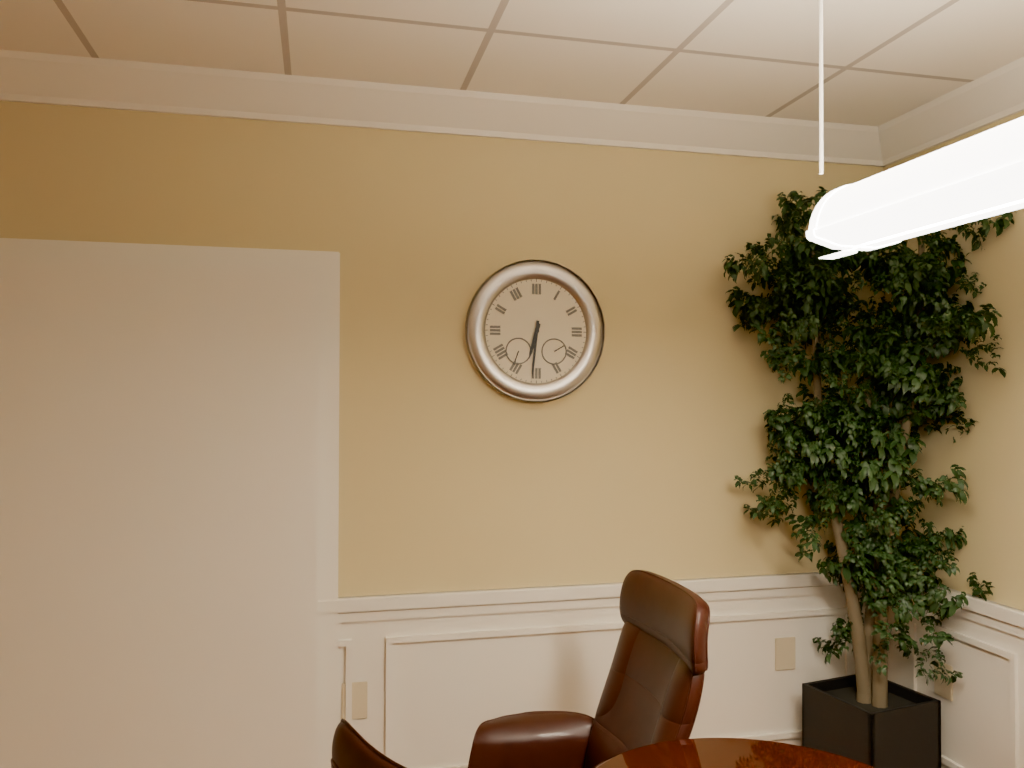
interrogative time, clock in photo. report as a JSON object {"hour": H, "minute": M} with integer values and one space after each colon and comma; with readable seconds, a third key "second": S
{"hour": 6, "minute": 31}
